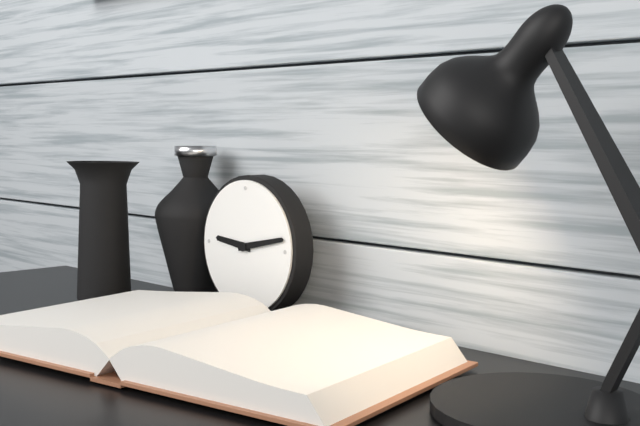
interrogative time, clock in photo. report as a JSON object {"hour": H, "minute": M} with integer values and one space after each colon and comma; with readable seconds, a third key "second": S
{"hour": 9, "minute": 13}
